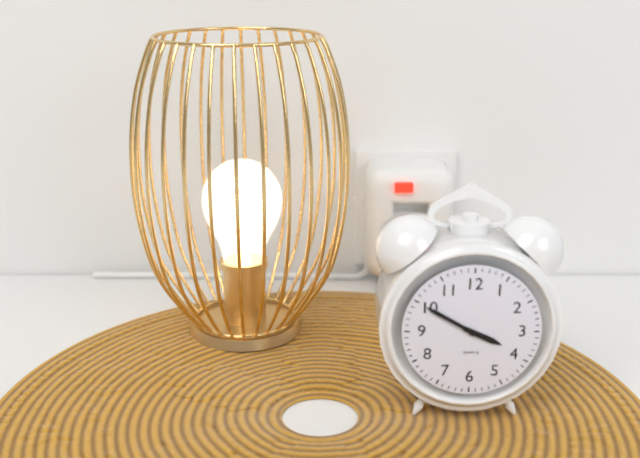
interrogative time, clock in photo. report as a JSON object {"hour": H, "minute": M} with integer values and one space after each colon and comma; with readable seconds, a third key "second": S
{"hour": 3, "minute": 50}
